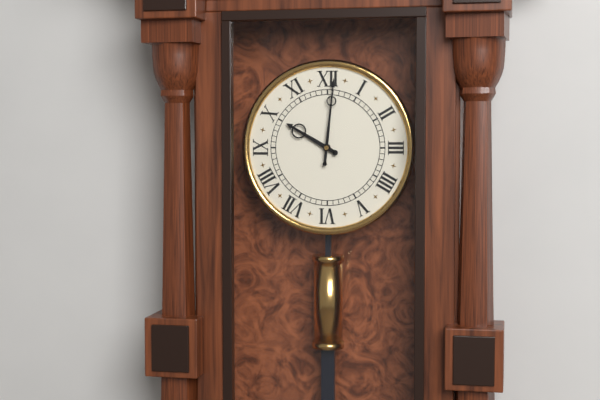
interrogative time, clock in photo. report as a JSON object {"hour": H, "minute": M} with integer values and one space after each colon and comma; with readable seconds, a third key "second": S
{"hour": 10, "minute": 1}
